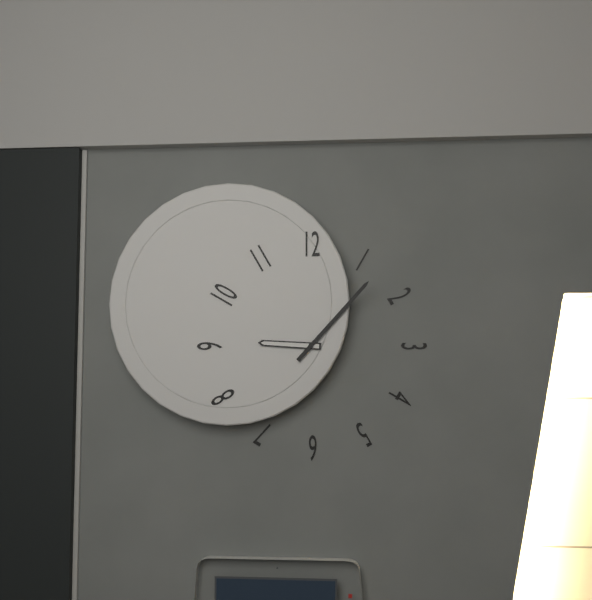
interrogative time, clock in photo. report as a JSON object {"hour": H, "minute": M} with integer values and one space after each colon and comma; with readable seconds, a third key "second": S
{"hour": 9, "minute": 7}
